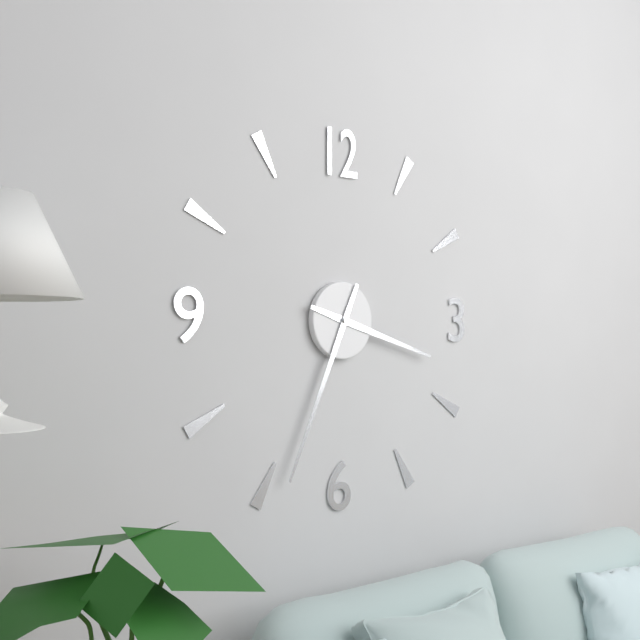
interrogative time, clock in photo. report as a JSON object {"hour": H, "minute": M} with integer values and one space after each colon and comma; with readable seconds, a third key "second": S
{"hour": 3, "minute": 34}
